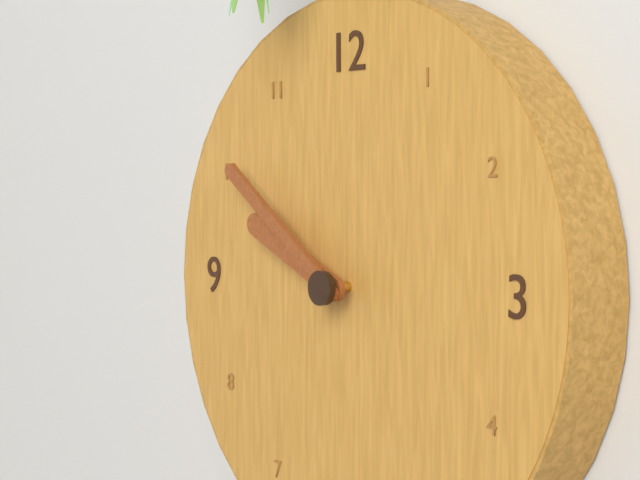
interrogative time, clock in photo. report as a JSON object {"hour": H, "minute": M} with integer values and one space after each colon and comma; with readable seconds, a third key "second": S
{"hour": 9, "minute": 51}
